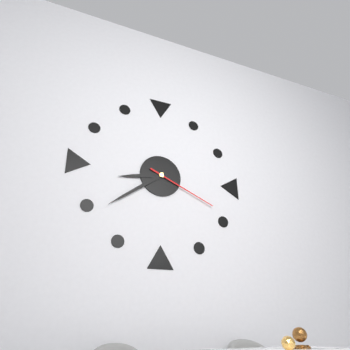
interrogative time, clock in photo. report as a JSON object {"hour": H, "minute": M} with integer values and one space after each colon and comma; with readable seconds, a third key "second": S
{"hour": 8, "minute": 39, "second": 19}
